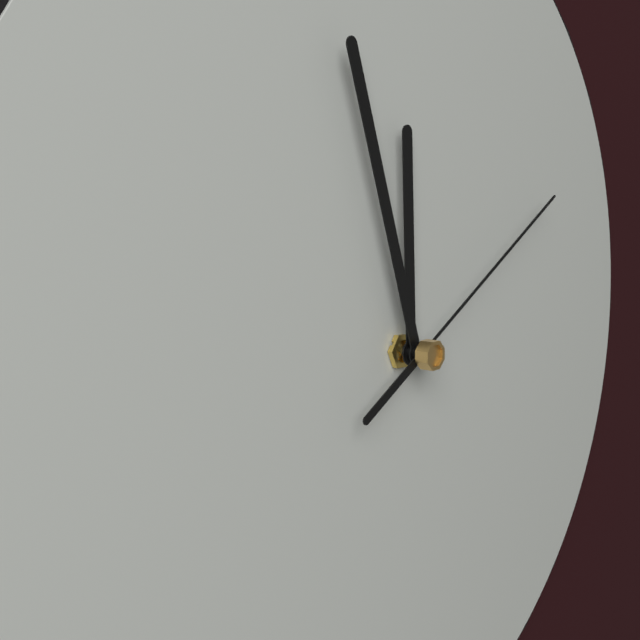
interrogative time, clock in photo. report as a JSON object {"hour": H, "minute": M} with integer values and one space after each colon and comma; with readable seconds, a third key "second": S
{"hour": 11, "minute": 57, "second": 10}
